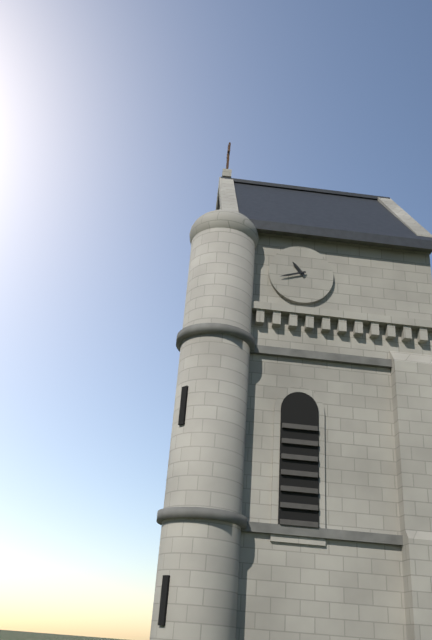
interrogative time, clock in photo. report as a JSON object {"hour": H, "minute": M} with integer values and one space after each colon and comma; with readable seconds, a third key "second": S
{"hour": 10, "minute": 42}
